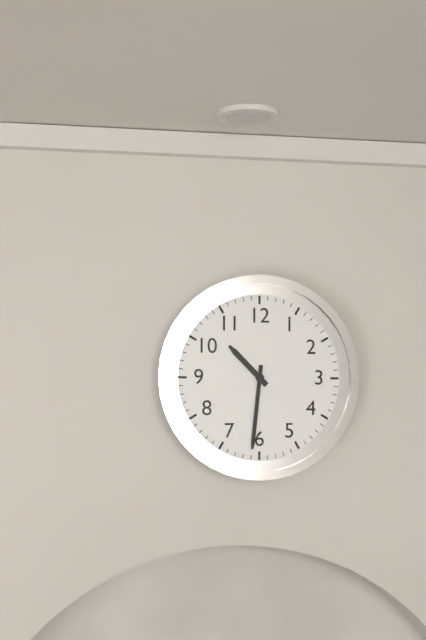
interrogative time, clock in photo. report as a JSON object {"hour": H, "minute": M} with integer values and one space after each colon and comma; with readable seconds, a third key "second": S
{"hour": 10, "minute": 31}
